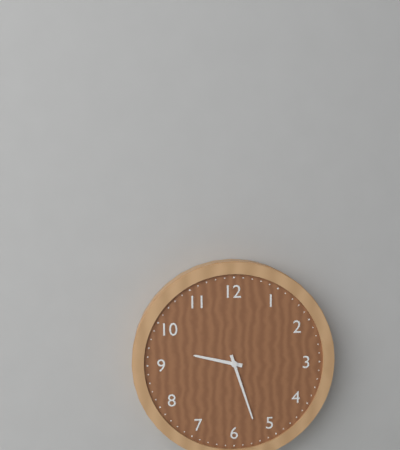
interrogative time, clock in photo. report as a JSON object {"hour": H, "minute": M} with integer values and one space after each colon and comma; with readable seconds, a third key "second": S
{"hour": 9, "minute": 27}
